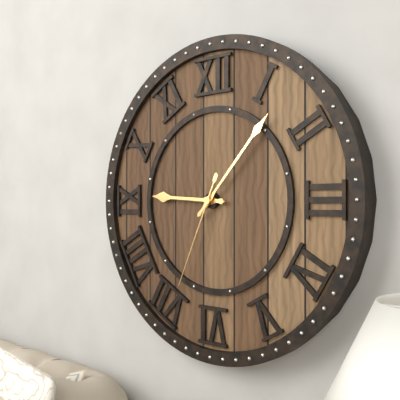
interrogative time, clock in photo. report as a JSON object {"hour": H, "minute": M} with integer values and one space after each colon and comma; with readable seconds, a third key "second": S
{"hour": 9, "minute": 7, "second": 34}
